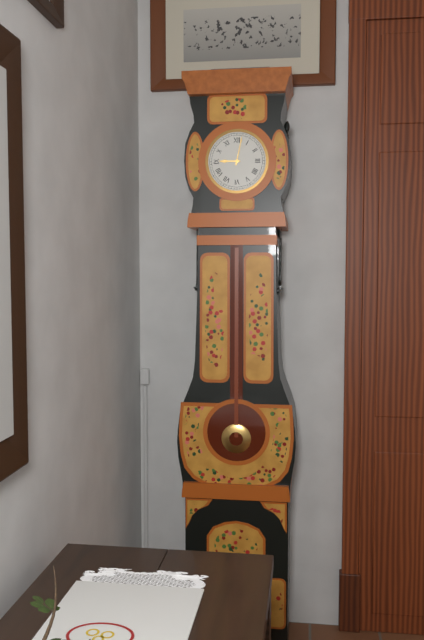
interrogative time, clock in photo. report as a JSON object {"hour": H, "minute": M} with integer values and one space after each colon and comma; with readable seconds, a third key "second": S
{"hour": 9, "minute": 2}
